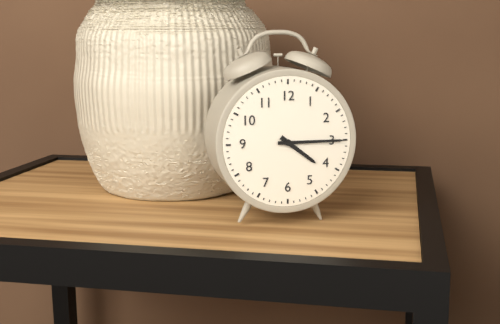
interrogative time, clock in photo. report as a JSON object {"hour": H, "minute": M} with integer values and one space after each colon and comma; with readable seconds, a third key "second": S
{"hour": 4, "minute": 15}
